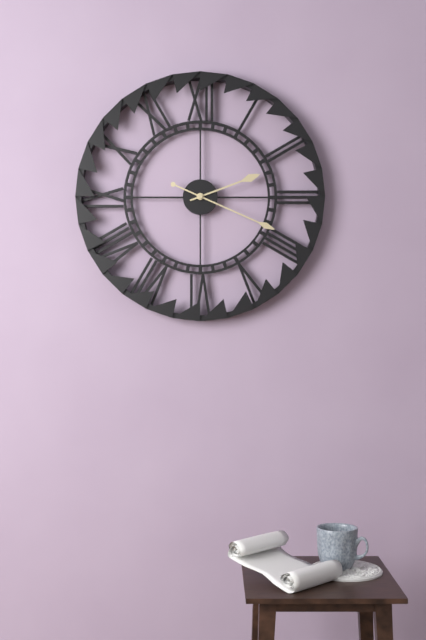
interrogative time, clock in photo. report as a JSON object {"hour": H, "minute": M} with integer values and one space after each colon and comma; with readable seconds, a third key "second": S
{"hour": 2, "minute": 19}
